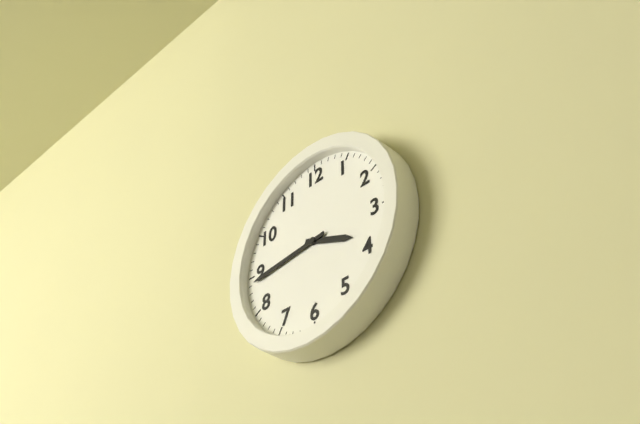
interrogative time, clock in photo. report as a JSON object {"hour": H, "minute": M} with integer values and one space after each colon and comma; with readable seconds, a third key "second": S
{"hour": 3, "minute": 44}
